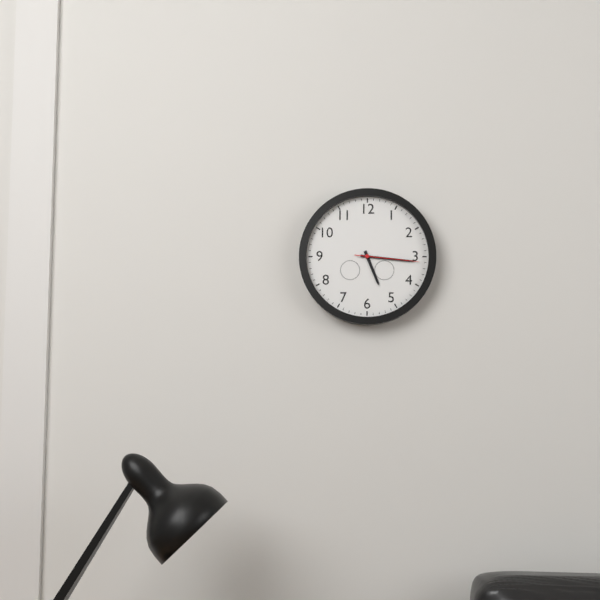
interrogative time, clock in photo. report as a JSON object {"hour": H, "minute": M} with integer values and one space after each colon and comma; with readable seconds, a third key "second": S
{"hour": 5, "minute": 16, "second": 16}
